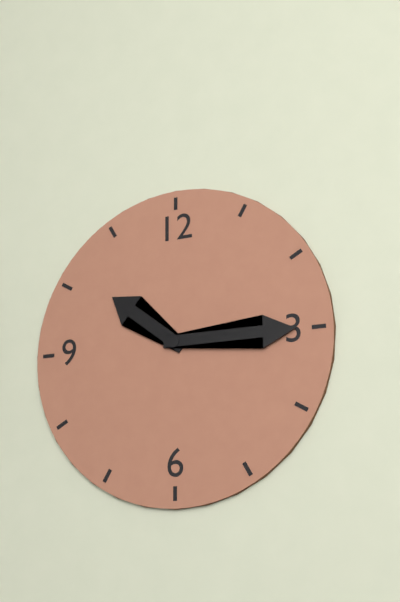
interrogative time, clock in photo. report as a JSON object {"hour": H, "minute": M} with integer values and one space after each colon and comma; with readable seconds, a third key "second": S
{"hour": 10, "minute": 15}
